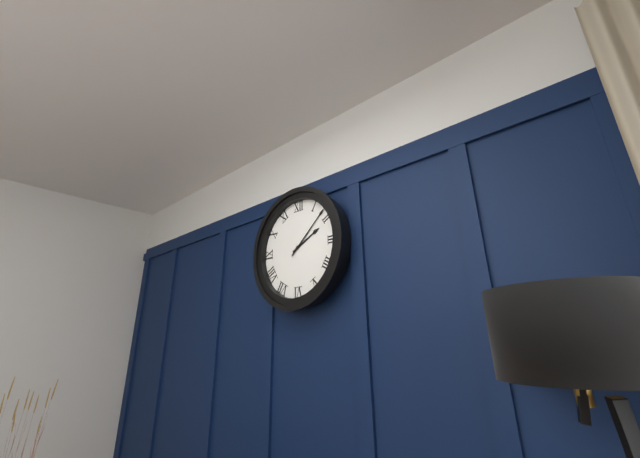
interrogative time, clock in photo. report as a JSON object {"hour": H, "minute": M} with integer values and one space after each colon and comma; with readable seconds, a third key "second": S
{"hour": 2, "minute": 8}
